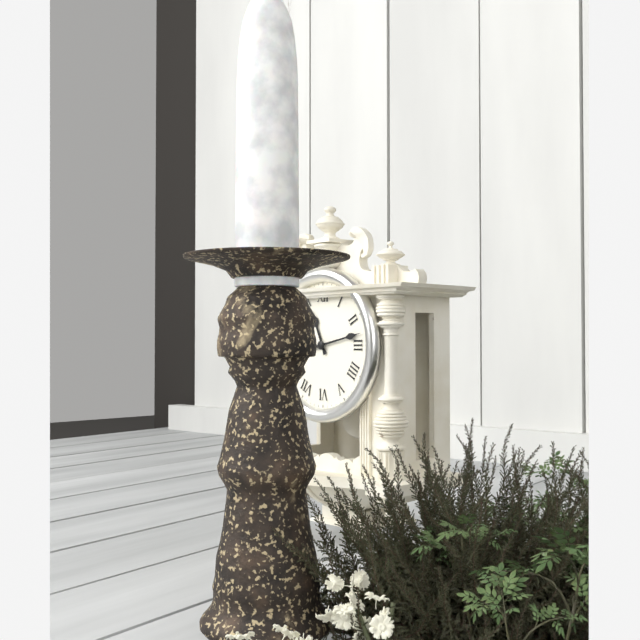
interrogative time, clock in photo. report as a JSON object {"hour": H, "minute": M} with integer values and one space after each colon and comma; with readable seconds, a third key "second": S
{"hour": 11, "minute": 13}
